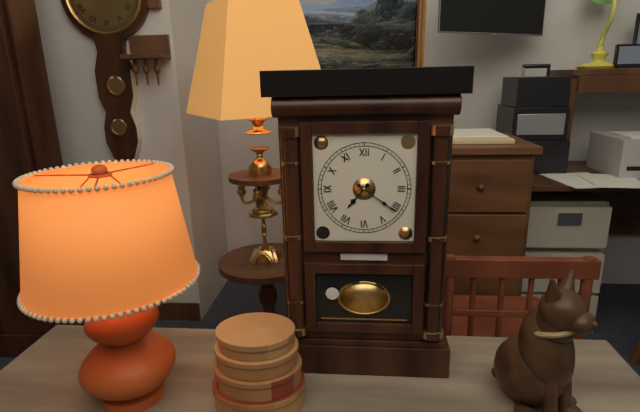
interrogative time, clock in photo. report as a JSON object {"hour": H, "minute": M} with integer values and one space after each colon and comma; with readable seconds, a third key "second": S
{"hour": 7, "minute": 21}
